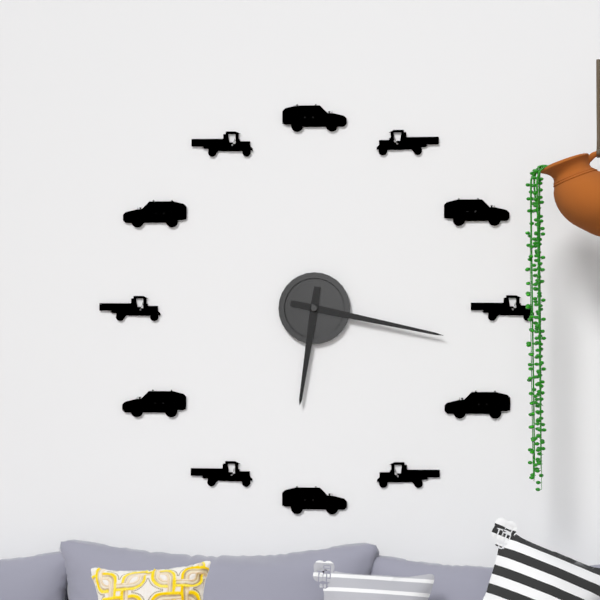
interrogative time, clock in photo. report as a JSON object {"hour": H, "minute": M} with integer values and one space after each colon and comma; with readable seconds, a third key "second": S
{"hour": 6, "minute": 17}
